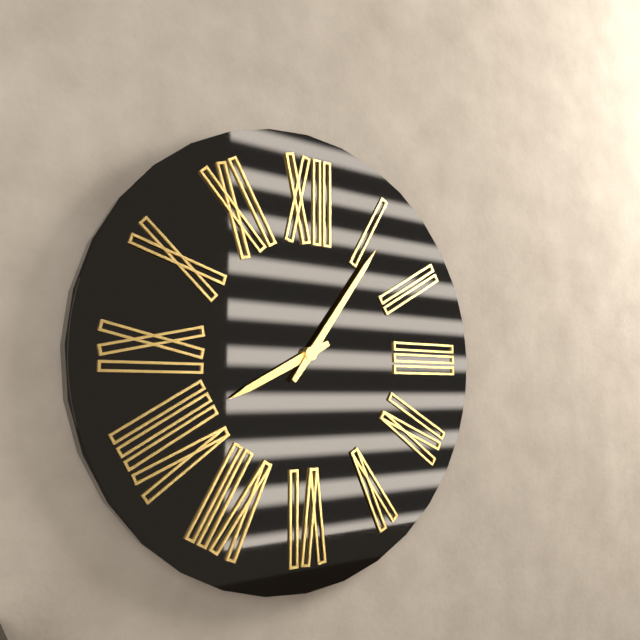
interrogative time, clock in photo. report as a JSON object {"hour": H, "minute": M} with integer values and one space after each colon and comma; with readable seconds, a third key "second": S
{"hour": 8, "minute": 6}
